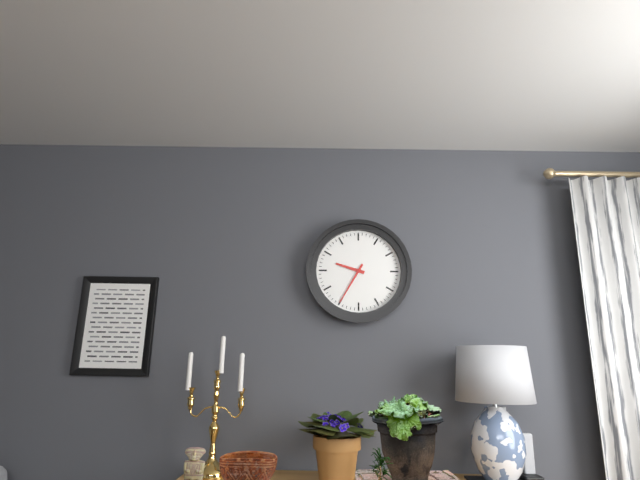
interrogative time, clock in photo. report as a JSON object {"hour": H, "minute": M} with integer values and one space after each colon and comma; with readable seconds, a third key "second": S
{"hour": 9, "minute": 35}
